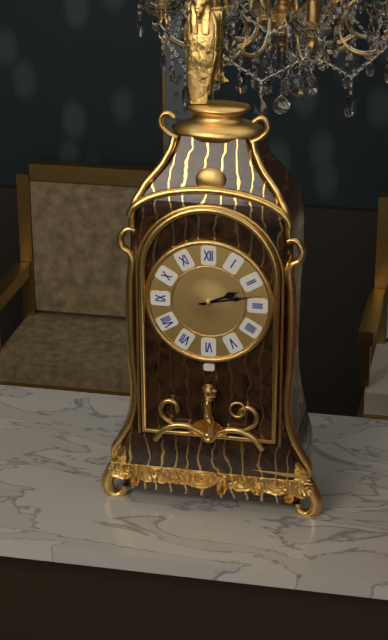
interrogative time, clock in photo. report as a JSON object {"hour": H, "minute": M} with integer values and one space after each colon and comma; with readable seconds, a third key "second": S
{"hour": 2, "minute": 13}
